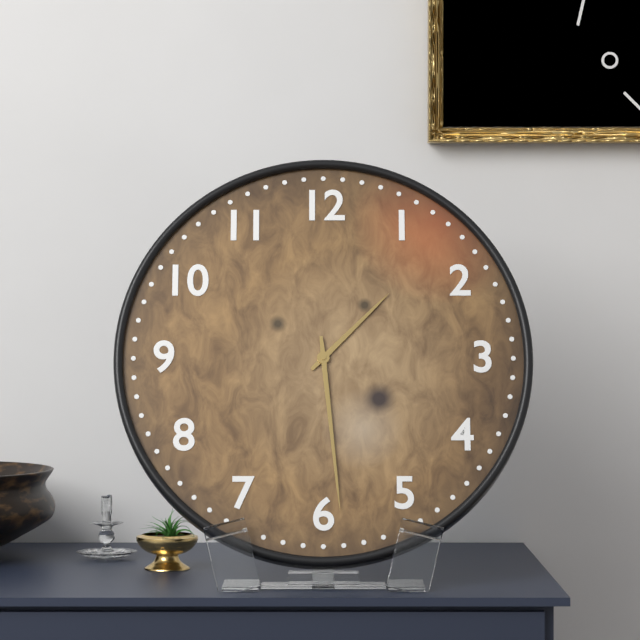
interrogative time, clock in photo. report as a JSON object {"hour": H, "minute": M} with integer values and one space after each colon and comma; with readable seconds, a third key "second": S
{"hour": 1, "minute": 29}
